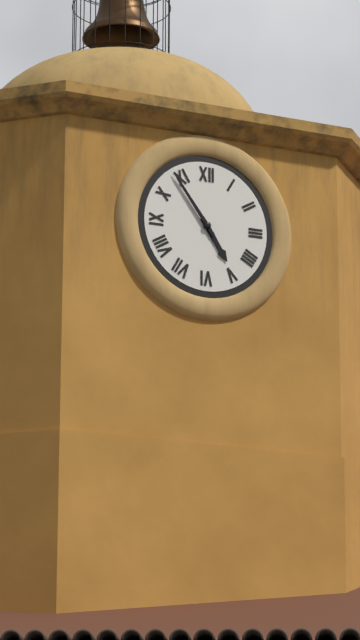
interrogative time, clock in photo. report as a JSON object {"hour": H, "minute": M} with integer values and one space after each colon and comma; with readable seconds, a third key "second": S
{"hour": 4, "minute": 54}
